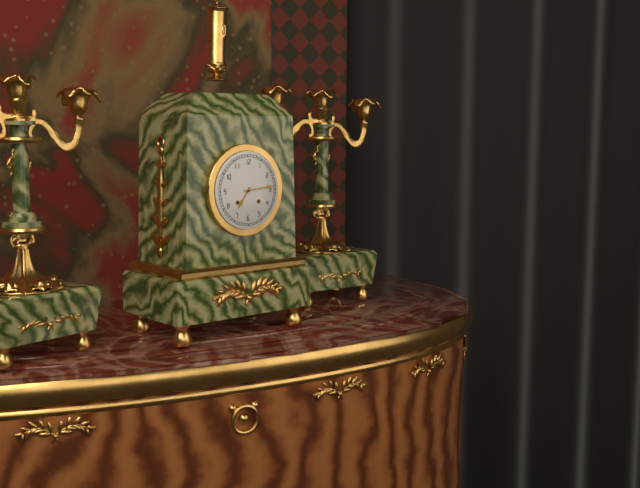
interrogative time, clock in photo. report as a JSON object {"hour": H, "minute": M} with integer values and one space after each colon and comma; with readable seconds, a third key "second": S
{"hour": 7, "minute": 14}
